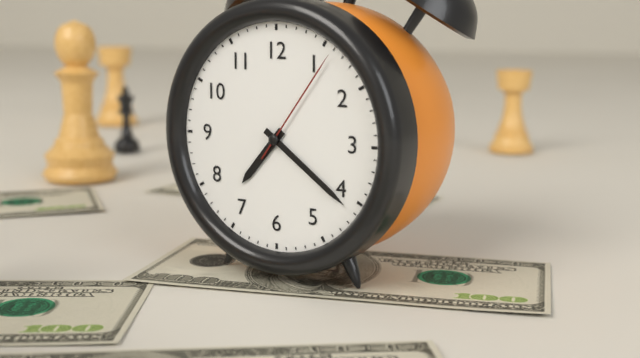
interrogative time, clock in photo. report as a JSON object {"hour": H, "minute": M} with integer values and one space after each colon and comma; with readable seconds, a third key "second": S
{"hour": 7, "minute": 21, "second": 6}
